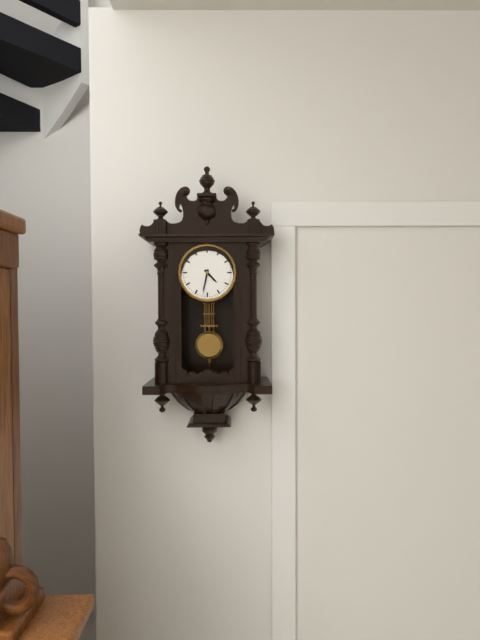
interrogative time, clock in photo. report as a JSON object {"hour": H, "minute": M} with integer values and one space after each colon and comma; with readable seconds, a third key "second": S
{"hour": 4, "minute": 32}
